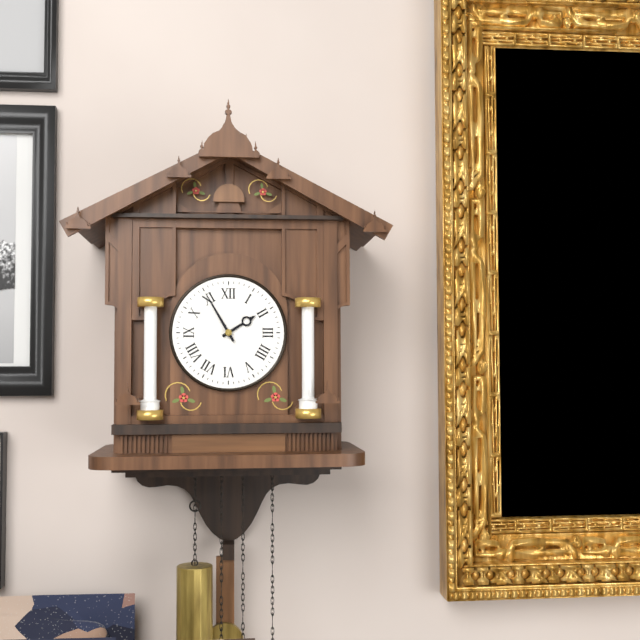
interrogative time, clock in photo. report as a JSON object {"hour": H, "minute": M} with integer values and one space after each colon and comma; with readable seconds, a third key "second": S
{"hour": 1, "minute": 55}
